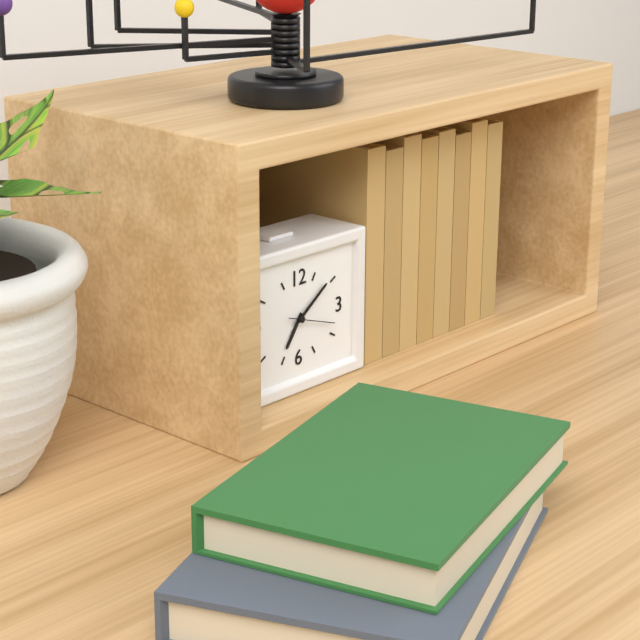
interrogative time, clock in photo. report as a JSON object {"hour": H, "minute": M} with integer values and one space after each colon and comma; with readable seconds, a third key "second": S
{"hour": 7, "minute": 9}
